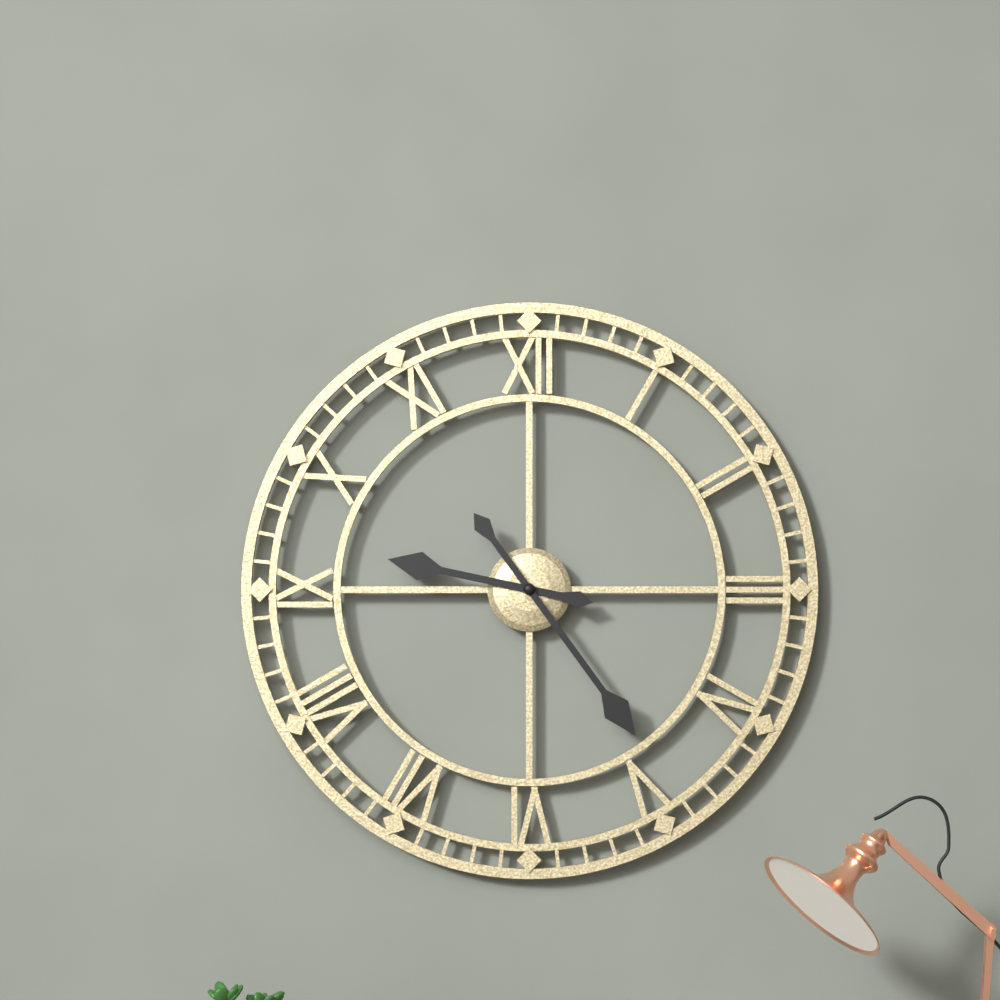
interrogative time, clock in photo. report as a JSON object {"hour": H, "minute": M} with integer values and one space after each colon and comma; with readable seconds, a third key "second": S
{"hour": 9, "minute": 24}
